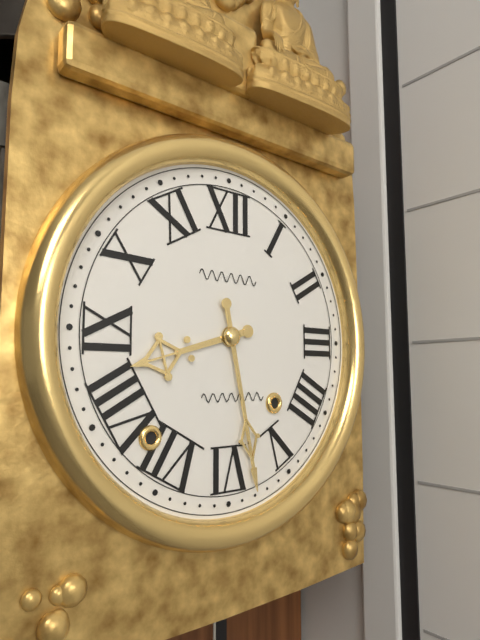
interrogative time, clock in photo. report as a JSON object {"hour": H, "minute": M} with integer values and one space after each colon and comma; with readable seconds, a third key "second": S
{"hour": 8, "minute": 28}
